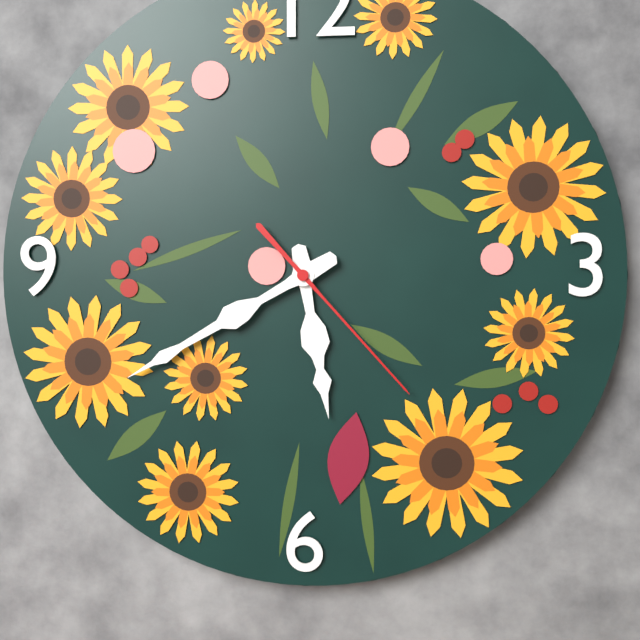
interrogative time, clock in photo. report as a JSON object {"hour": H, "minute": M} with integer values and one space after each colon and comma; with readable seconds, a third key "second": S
{"hour": 5, "minute": 40, "second": 23}
